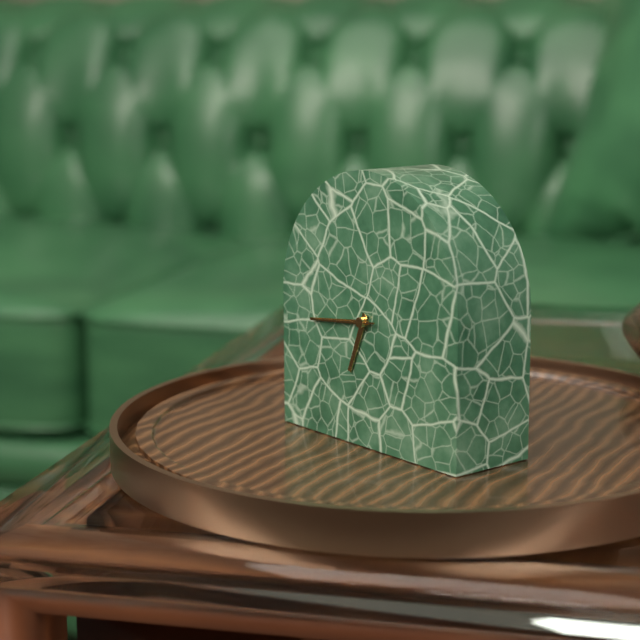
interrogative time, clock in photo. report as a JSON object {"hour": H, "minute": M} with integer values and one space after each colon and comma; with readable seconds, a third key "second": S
{"hour": 6, "minute": 44, "second": 44}
